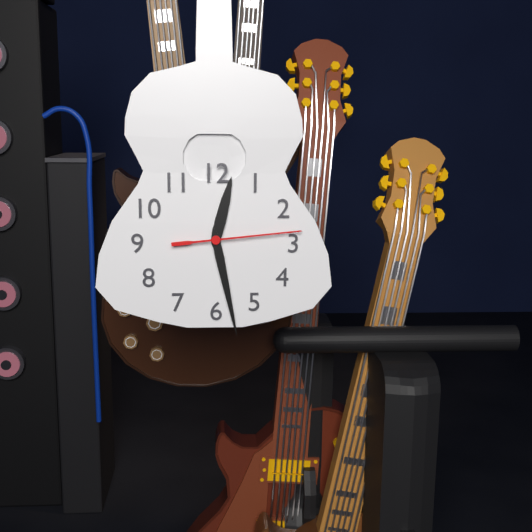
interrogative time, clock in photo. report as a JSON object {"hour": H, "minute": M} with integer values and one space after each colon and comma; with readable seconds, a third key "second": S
{"hour": 12, "minute": 28, "second": 14}
